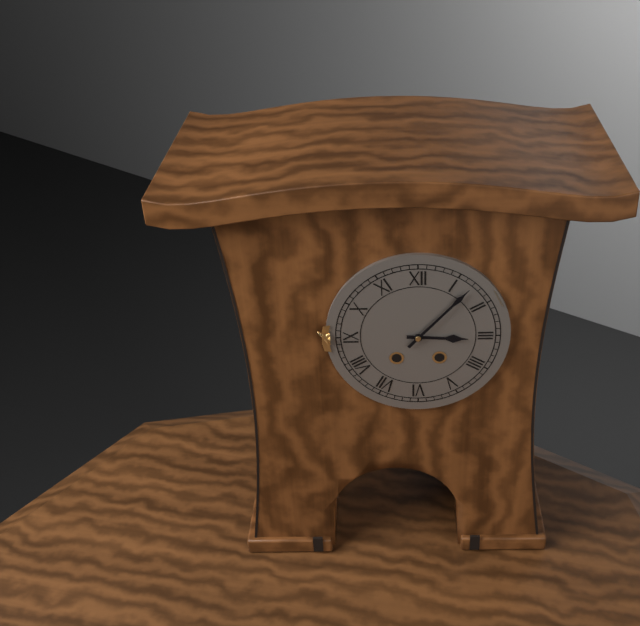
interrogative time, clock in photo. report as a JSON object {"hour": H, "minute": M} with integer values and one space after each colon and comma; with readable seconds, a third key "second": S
{"hour": 3, "minute": 7}
